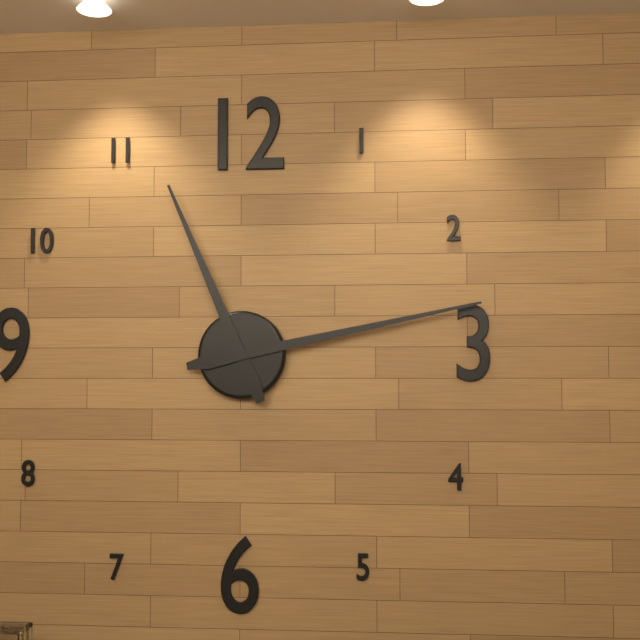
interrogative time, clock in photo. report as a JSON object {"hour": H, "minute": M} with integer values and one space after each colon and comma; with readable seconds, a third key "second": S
{"hour": 11, "minute": 13}
